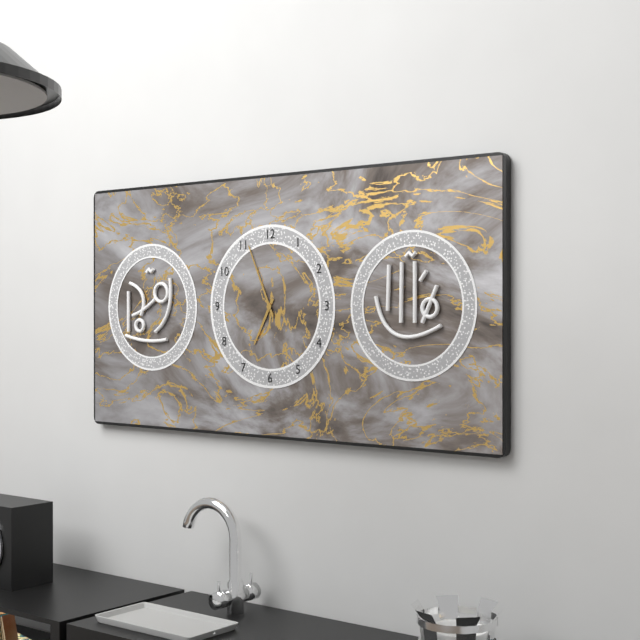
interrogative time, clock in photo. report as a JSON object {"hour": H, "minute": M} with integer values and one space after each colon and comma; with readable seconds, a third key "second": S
{"hour": 6, "minute": 56}
